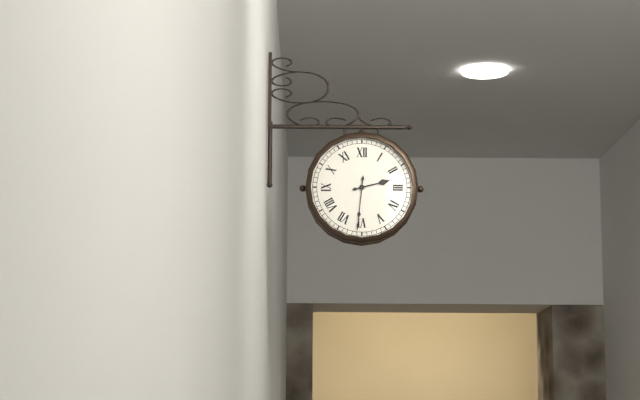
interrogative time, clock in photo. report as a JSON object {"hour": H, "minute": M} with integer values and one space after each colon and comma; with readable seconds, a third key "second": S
{"hour": 2, "minute": 31}
